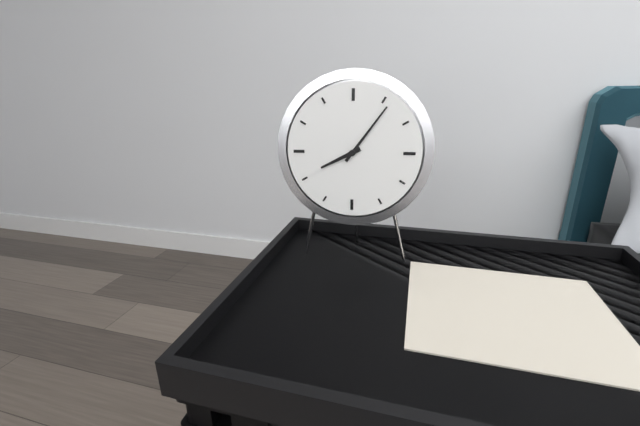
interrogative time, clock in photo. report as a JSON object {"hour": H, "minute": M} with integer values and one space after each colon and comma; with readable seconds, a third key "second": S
{"hour": 8, "minute": 6}
